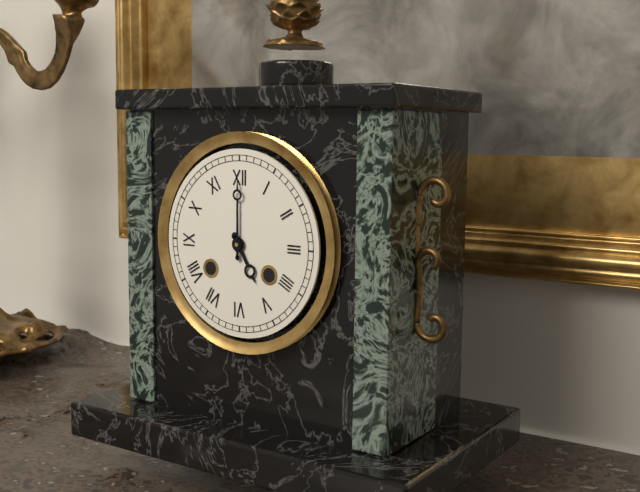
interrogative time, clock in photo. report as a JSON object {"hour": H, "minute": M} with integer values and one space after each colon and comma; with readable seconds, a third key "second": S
{"hour": 5, "minute": 0}
